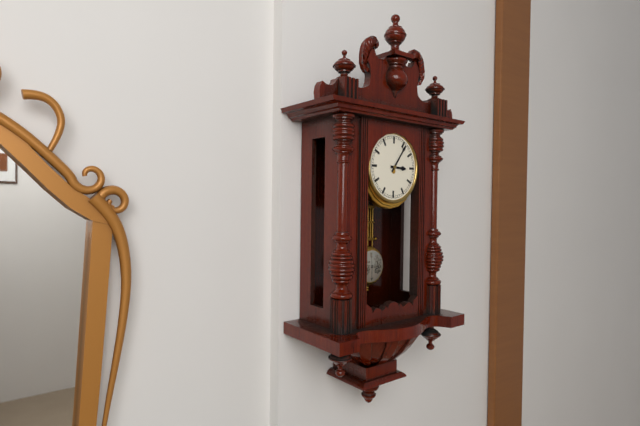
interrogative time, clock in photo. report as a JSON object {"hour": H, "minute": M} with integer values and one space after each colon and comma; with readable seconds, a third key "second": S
{"hour": 3, "minute": 6}
